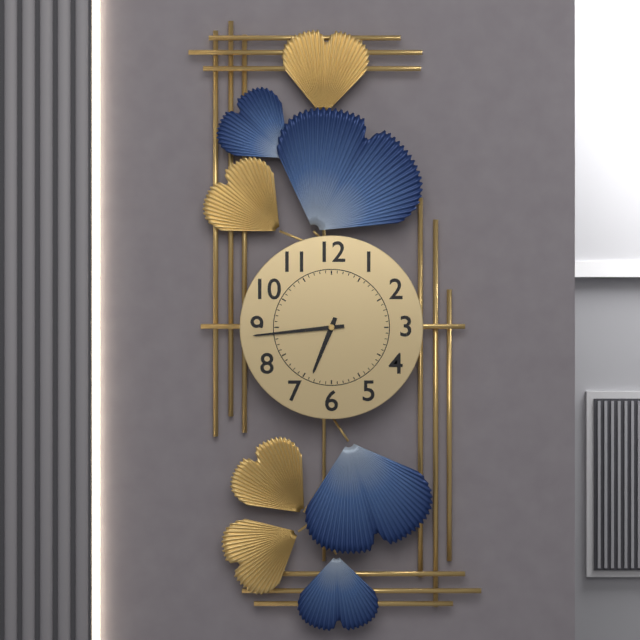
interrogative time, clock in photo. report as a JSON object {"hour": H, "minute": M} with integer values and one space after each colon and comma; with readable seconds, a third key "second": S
{"hour": 6, "minute": 44}
